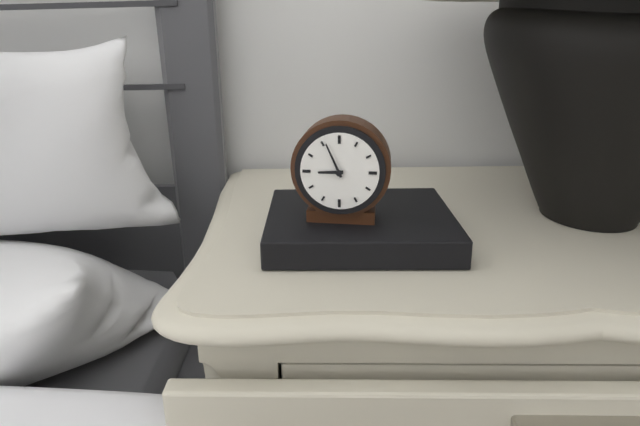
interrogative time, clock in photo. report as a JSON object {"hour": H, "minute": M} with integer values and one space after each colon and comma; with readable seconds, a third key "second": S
{"hour": 8, "minute": 56}
